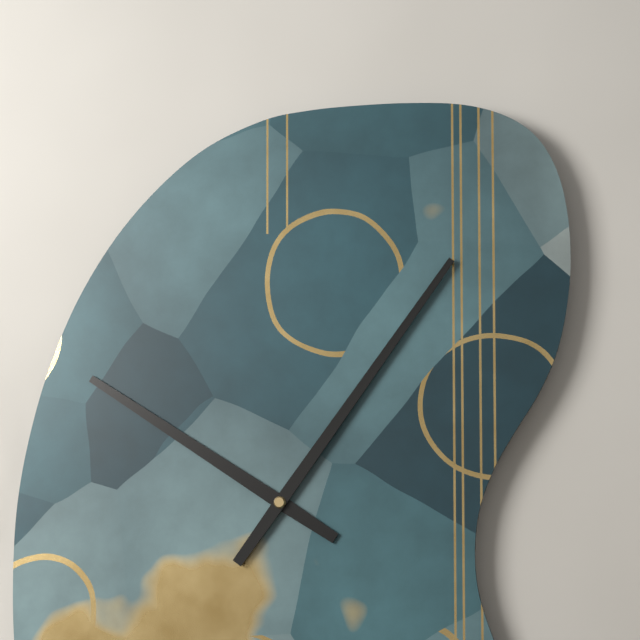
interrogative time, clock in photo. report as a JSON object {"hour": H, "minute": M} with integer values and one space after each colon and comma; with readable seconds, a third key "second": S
{"hour": 10, "minute": 6}
